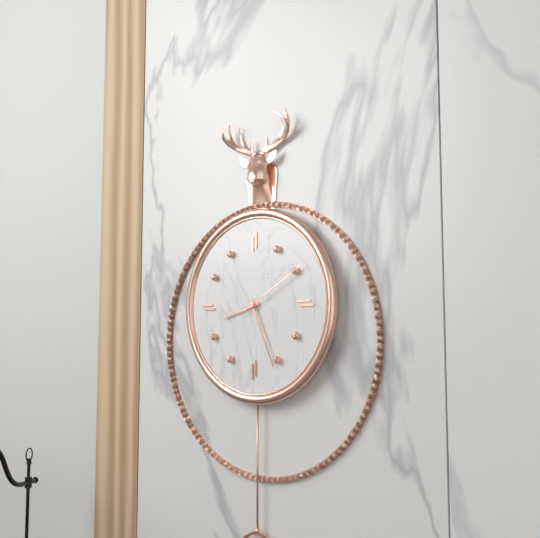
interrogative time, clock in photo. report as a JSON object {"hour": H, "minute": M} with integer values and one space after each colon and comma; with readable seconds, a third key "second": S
{"hour": 8, "minute": 26, "second": 10}
